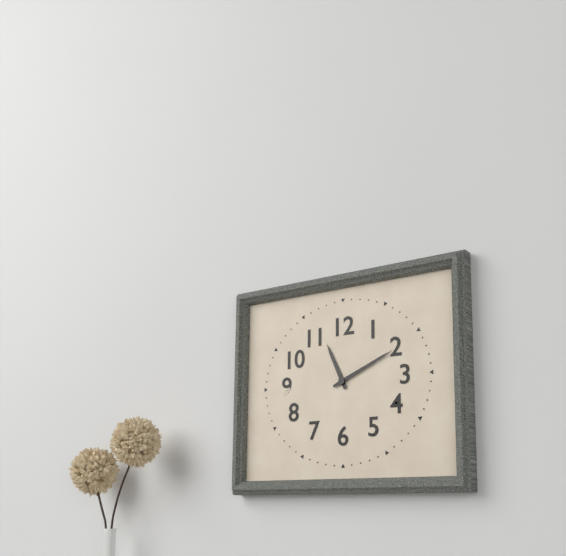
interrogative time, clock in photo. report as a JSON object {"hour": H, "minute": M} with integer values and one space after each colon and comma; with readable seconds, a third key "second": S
{"hour": 11, "minute": 11}
